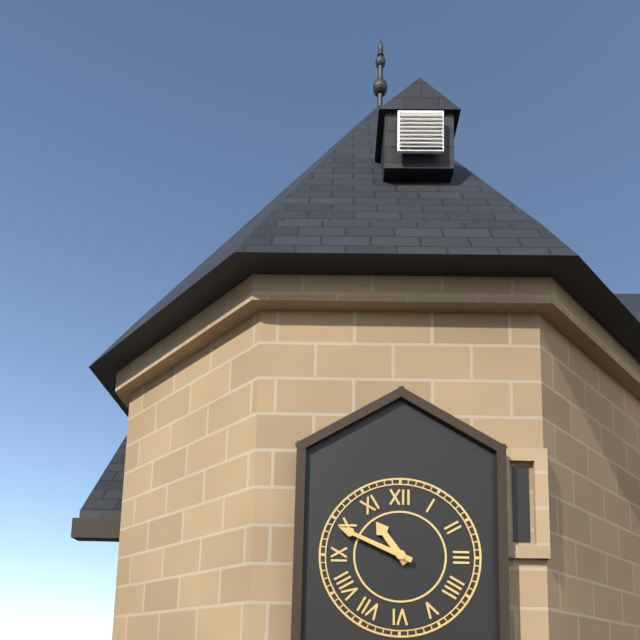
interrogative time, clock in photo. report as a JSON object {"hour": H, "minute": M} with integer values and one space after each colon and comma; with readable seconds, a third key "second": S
{"hour": 10, "minute": 49}
